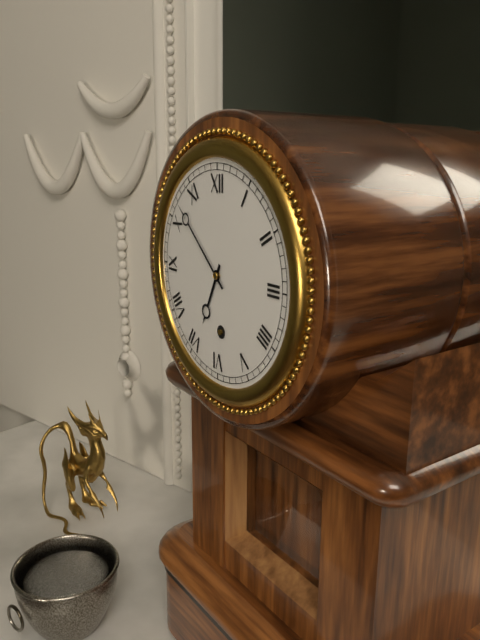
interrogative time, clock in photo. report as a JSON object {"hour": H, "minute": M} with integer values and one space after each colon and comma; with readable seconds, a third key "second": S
{"hour": 6, "minute": 52}
